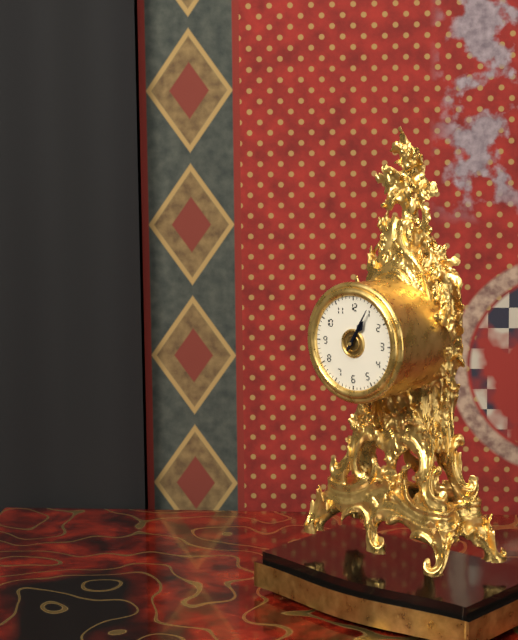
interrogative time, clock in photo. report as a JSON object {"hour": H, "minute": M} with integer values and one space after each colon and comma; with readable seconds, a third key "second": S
{"hour": 1, "minute": 5}
